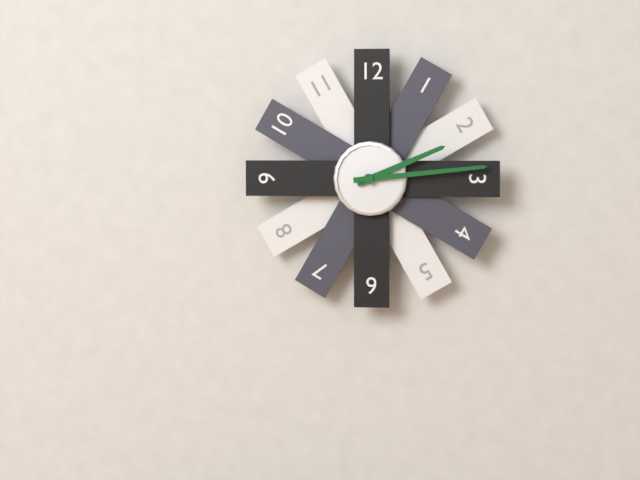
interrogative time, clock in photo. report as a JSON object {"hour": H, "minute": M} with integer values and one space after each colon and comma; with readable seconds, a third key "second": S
{"hour": 2, "minute": 14}
